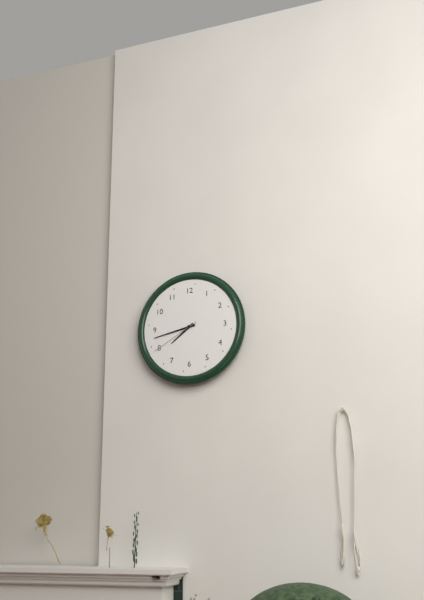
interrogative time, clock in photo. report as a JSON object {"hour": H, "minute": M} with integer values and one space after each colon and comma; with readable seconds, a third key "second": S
{"hour": 7, "minute": 43, "second": 40}
